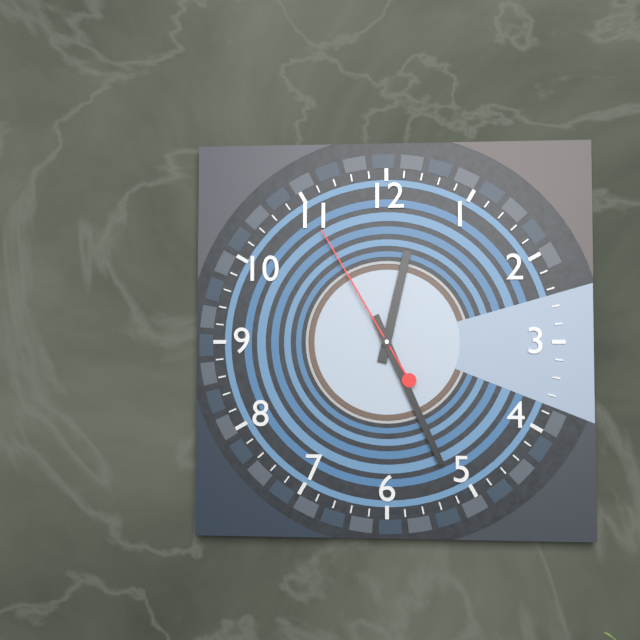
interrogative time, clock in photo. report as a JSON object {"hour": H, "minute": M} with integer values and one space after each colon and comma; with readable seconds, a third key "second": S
{"hour": 12, "minute": 26, "second": 55}
